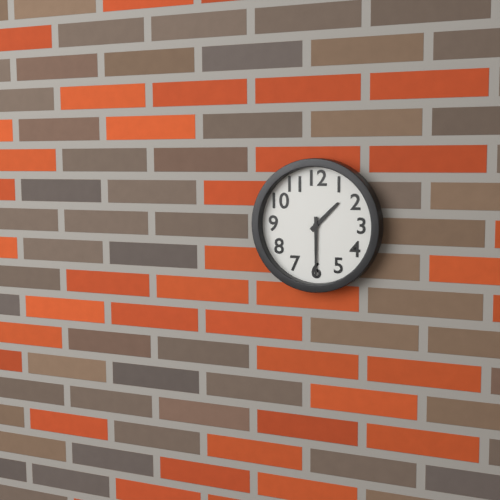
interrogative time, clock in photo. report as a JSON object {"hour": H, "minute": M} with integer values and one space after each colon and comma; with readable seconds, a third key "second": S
{"hour": 1, "minute": 30}
